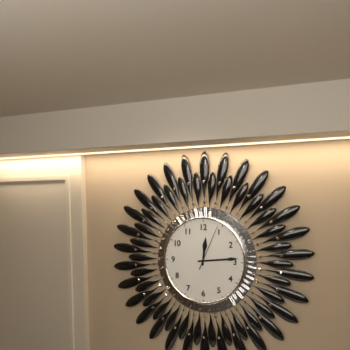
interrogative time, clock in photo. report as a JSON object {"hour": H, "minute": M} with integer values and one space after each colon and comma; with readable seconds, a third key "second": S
{"hour": 12, "minute": 14}
